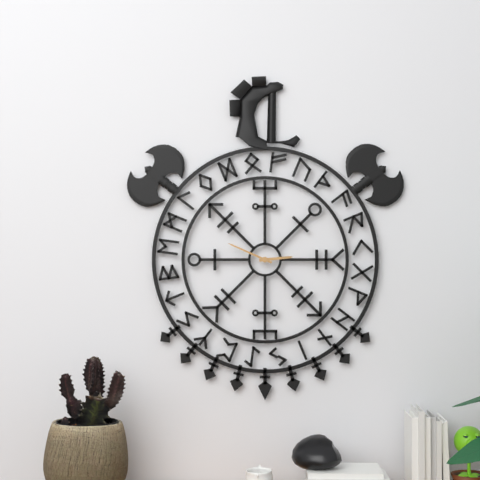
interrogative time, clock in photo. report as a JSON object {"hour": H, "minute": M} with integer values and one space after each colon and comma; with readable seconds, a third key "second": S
{"hour": 2, "minute": 49}
